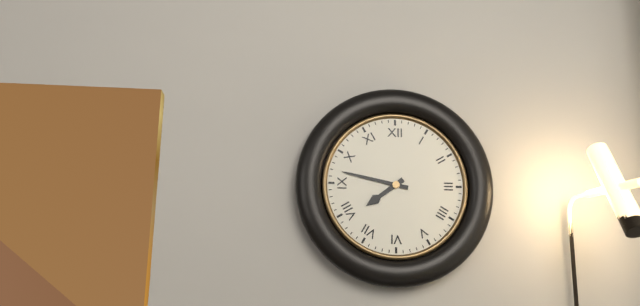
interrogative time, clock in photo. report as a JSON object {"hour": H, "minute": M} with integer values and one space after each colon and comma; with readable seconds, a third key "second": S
{"hour": 7, "minute": 47}
